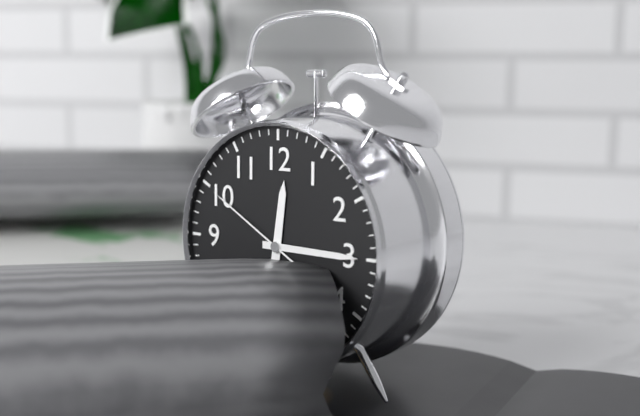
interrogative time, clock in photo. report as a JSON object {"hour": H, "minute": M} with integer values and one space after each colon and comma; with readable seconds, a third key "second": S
{"hour": 12, "minute": 15, "second": 50}
